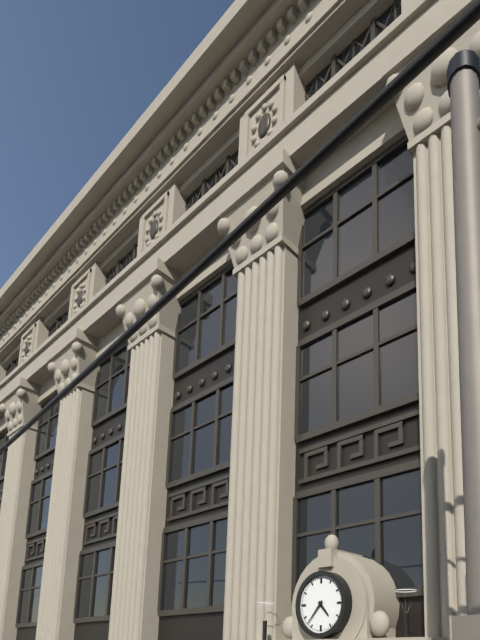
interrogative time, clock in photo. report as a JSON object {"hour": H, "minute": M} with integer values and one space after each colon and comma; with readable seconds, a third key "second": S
{"hour": 4, "minute": 37}
